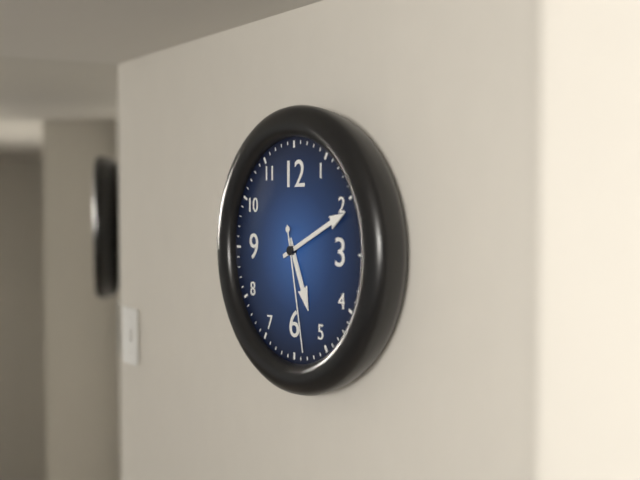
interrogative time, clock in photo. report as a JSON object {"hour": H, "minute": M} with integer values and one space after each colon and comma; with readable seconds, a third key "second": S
{"hour": 5, "minute": 11, "second": 28}
